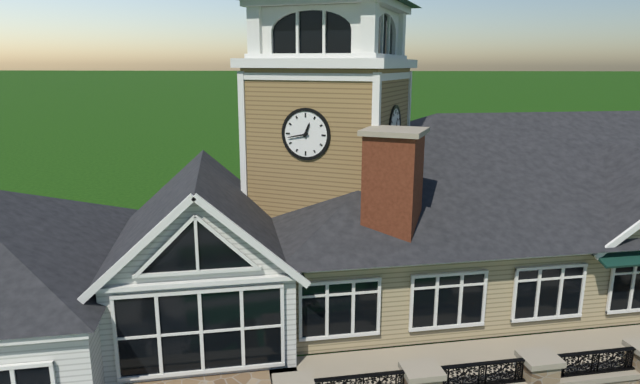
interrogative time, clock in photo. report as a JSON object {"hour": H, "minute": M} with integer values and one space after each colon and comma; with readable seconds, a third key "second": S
{"hour": 12, "minute": 43}
